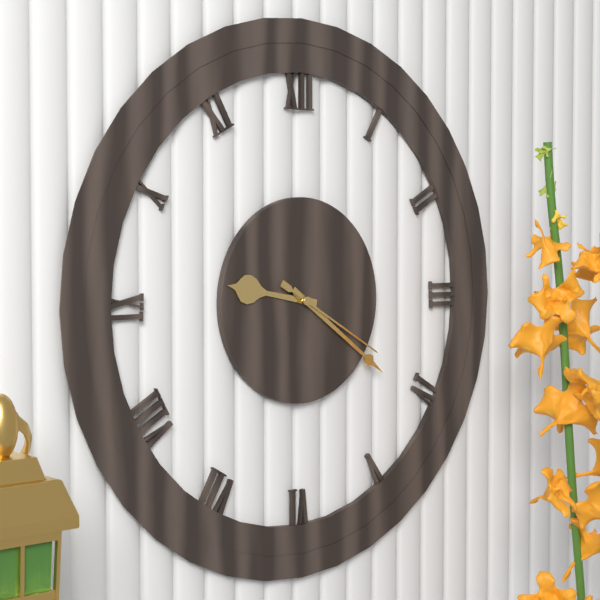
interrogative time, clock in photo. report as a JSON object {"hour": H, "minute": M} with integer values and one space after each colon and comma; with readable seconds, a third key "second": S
{"hour": 9, "minute": 21, "second": 20}
